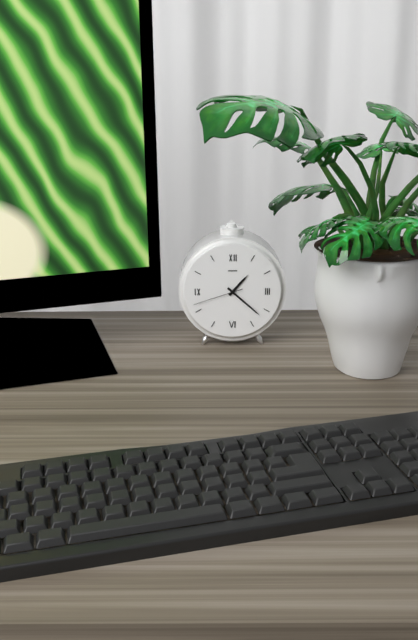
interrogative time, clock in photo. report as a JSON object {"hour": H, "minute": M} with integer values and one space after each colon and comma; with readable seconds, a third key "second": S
{"hour": 1, "minute": 22, "second": 42}
